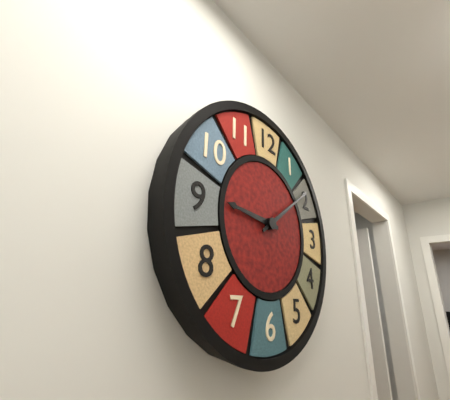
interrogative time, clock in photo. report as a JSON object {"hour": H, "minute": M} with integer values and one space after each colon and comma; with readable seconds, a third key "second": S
{"hour": 9, "minute": 9}
